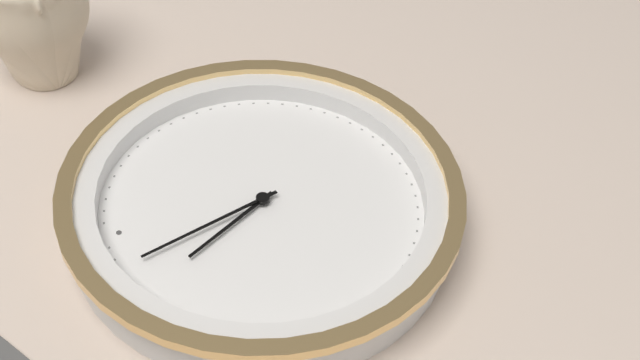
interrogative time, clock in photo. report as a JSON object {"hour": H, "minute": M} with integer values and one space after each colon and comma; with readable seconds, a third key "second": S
{"hour": 10, "minute": 57}
